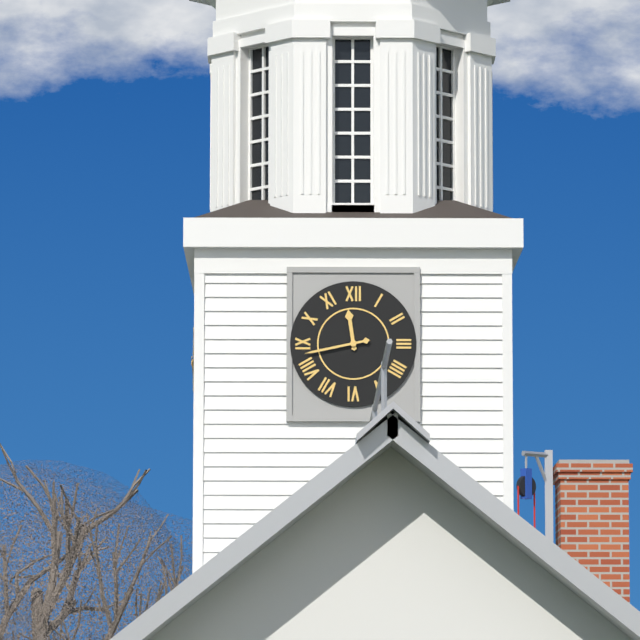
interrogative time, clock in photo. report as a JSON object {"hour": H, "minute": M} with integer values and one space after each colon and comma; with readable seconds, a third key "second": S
{"hour": 11, "minute": 43}
